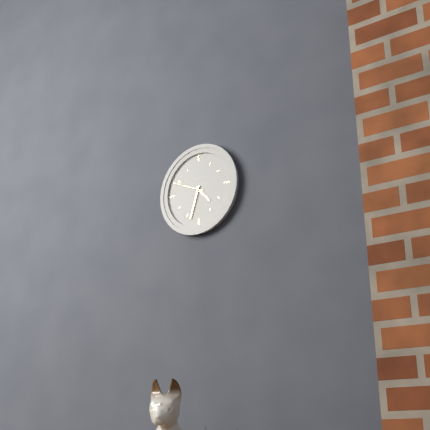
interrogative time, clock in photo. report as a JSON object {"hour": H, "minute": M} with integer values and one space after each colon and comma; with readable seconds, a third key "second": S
{"hour": 4, "minute": 33}
